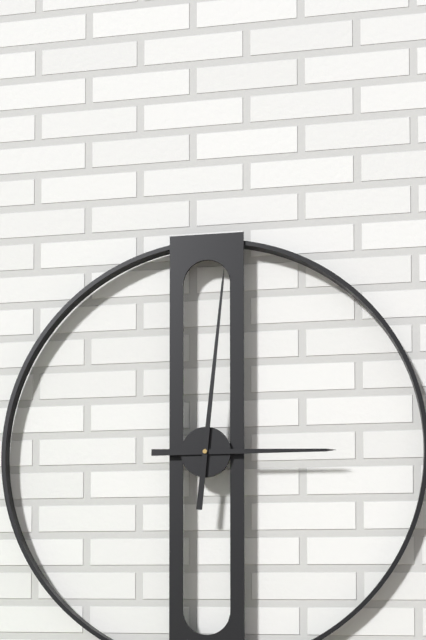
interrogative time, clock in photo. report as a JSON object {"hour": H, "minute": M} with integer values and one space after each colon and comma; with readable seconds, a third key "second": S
{"hour": 3, "minute": 1}
